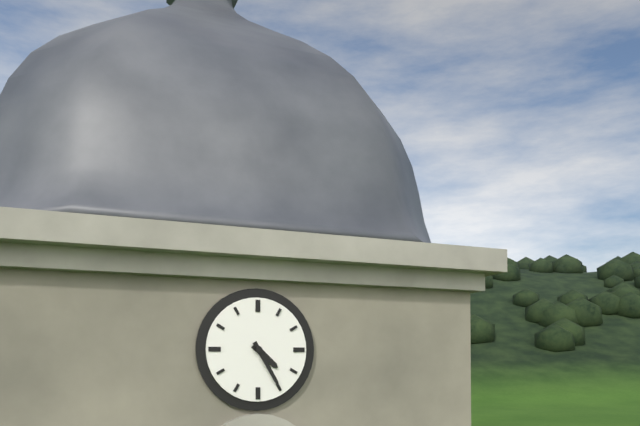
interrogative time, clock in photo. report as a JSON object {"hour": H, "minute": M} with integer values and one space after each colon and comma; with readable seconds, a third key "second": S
{"hour": 4, "minute": 25}
